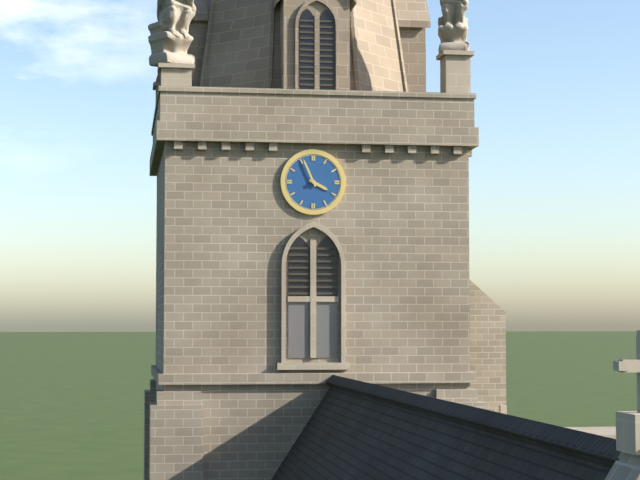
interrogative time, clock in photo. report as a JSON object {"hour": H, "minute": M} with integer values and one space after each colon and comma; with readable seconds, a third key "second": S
{"hour": 3, "minute": 56}
